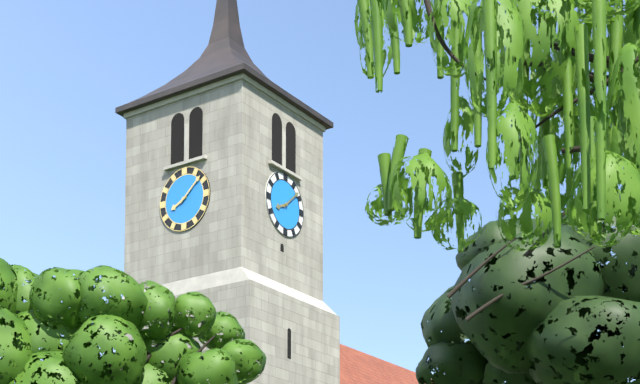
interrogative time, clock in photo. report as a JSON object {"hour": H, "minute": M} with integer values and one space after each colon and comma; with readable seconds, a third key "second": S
{"hour": 8, "minute": 8}
